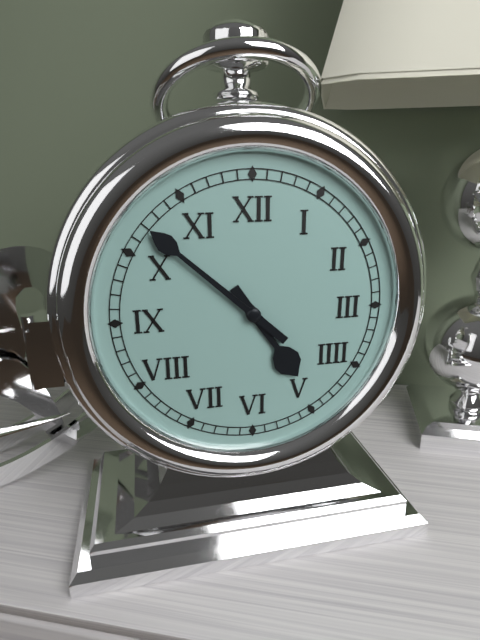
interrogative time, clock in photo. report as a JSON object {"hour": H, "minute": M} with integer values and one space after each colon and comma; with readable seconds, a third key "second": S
{"hour": 4, "minute": 52}
